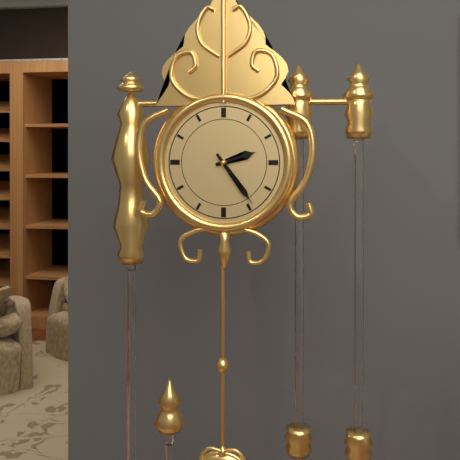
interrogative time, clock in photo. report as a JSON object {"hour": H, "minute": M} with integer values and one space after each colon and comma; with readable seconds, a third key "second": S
{"hour": 2, "minute": 24}
